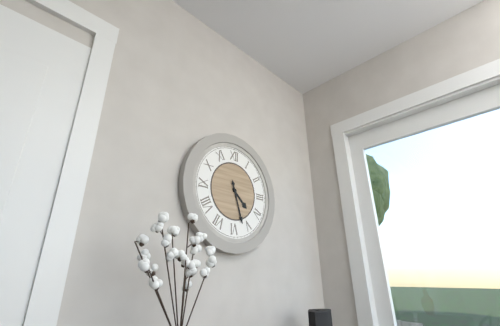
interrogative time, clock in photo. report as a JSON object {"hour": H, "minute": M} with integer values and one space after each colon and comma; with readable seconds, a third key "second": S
{"hour": 4, "minute": 27}
